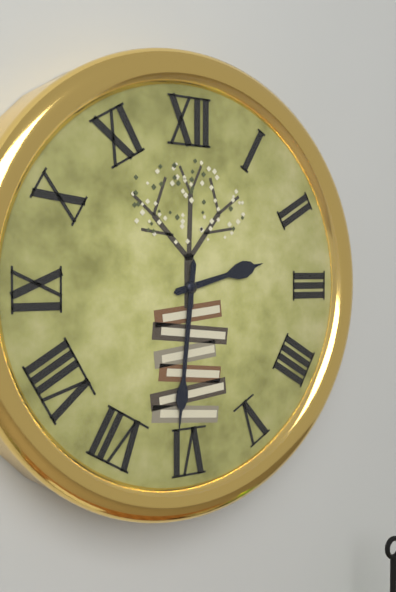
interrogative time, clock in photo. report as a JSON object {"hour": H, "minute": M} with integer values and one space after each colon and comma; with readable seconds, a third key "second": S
{"hour": 2, "minute": 31}
